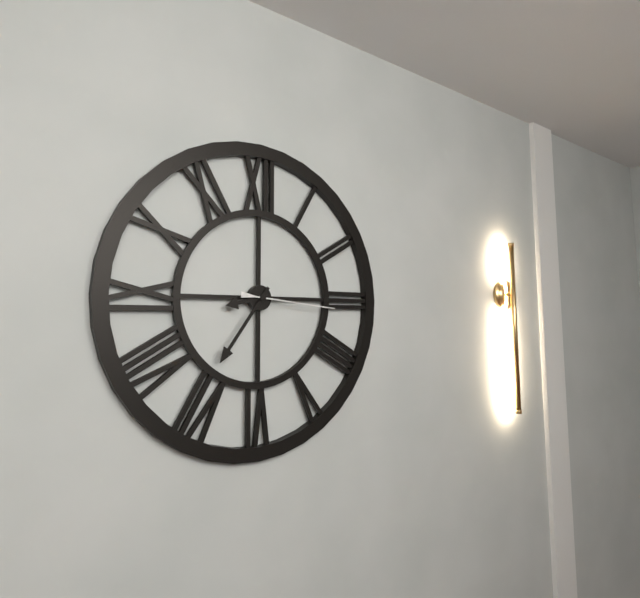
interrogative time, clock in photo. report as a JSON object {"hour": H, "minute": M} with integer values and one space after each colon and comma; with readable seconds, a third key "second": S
{"hour": 8, "minute": 36, "second": 16}
